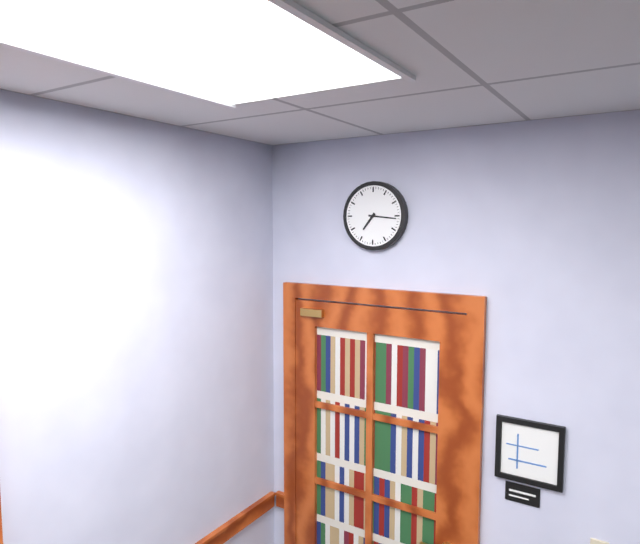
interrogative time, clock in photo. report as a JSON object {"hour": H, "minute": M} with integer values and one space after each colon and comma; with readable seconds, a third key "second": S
{"hour": 7, "minute": 16}
